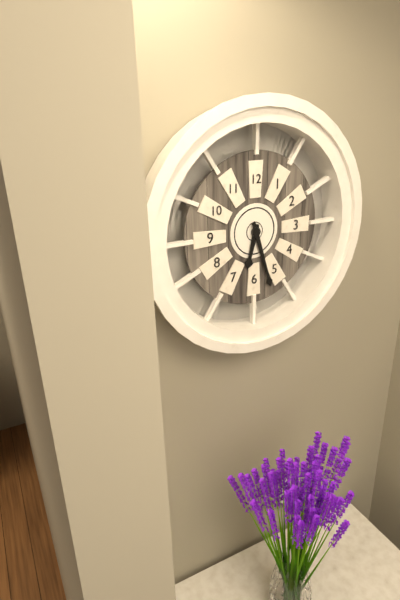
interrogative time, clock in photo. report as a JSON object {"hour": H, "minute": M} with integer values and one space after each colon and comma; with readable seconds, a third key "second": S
{"hour": 6, "minute": 27}
